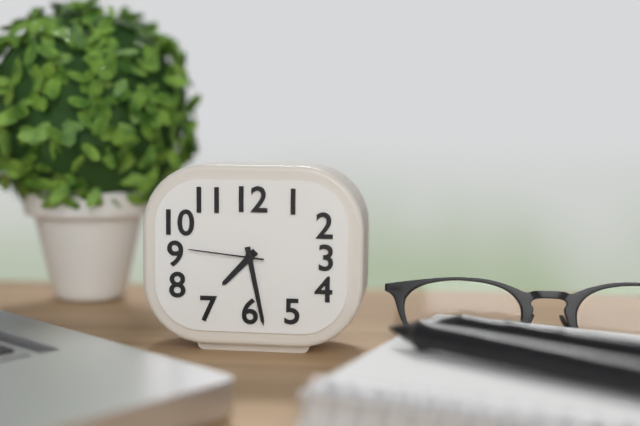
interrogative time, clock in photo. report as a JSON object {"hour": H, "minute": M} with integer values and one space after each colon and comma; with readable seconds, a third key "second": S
{"hour": 7, "minute": 28, "second": 46}
